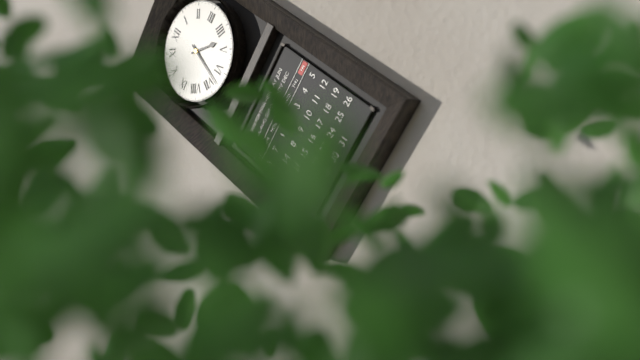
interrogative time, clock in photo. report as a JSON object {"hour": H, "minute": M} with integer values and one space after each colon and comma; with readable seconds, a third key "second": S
{"hour": 4, "minute": 33}
